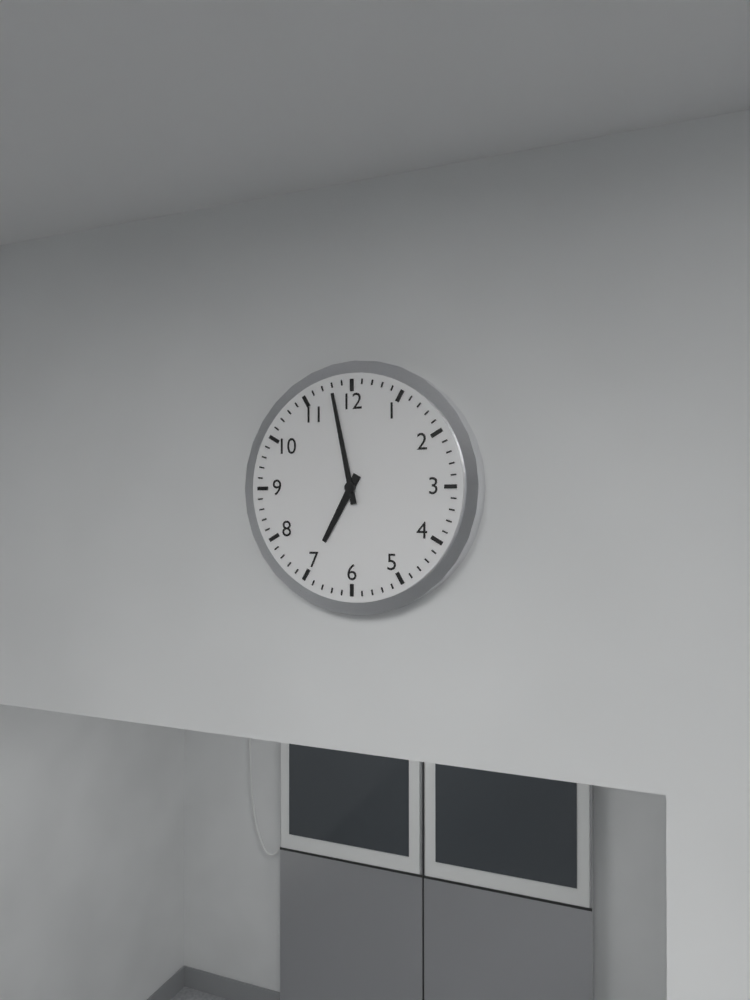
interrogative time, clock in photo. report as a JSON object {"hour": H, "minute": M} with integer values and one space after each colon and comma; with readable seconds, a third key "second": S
{"hour": 6, "minute": 58}
